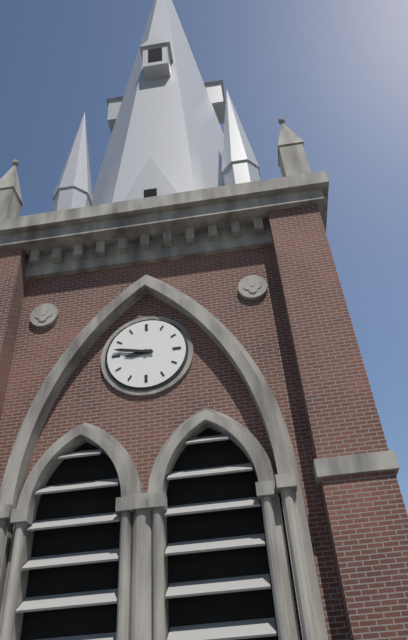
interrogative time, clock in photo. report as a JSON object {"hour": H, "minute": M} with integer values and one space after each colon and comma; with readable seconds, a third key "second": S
{"hour": 8, "minute": 47}
